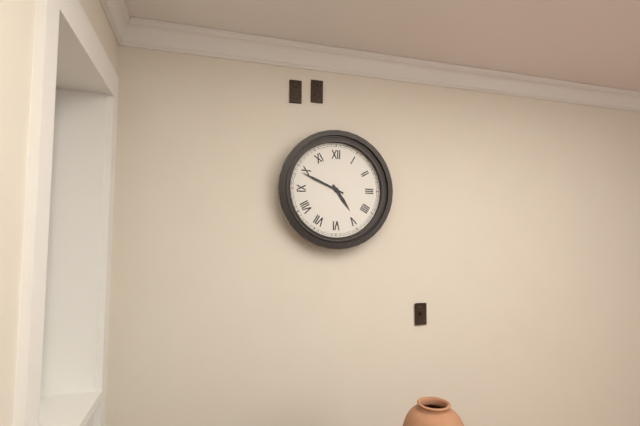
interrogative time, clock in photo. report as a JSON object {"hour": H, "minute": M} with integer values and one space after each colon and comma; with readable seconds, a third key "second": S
{"hour": 4, "minute": 49}
